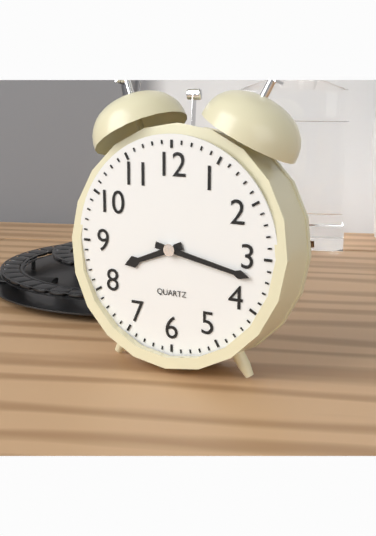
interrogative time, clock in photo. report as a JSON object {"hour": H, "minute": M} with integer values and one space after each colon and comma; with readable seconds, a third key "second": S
{"hour": 8, "minute": 17}
